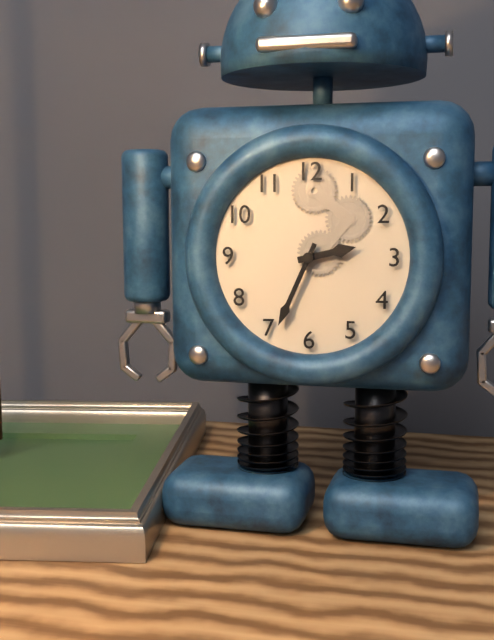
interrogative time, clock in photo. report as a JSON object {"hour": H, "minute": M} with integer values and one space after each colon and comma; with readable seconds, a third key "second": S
{"hour": 2, "minute": 34}
